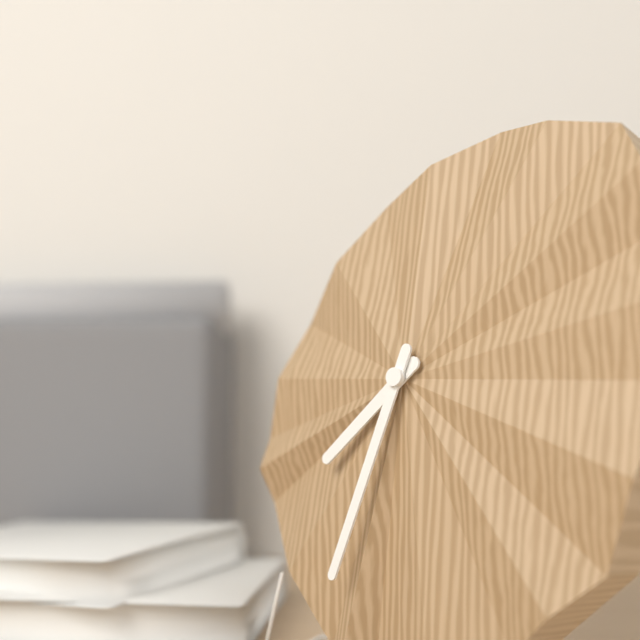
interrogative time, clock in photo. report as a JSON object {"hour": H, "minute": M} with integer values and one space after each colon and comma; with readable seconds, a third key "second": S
{"hour": 7, "minute": 33}
